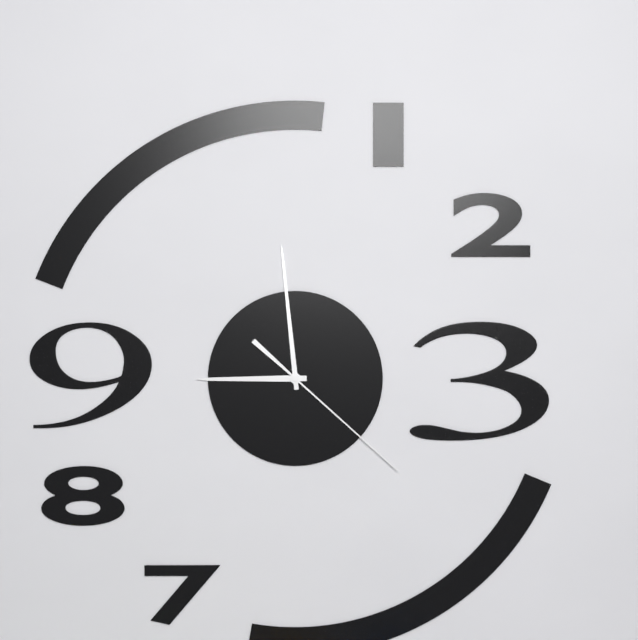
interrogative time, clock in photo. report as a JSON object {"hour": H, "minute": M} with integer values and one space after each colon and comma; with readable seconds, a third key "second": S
{"hour": 8, "minute": 59, "second": 22}
